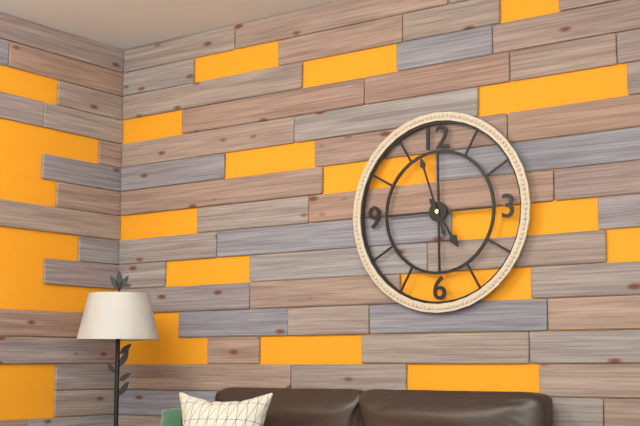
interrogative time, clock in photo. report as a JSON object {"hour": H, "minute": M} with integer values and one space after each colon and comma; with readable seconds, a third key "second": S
{"hour": 4, "minute": 57}
